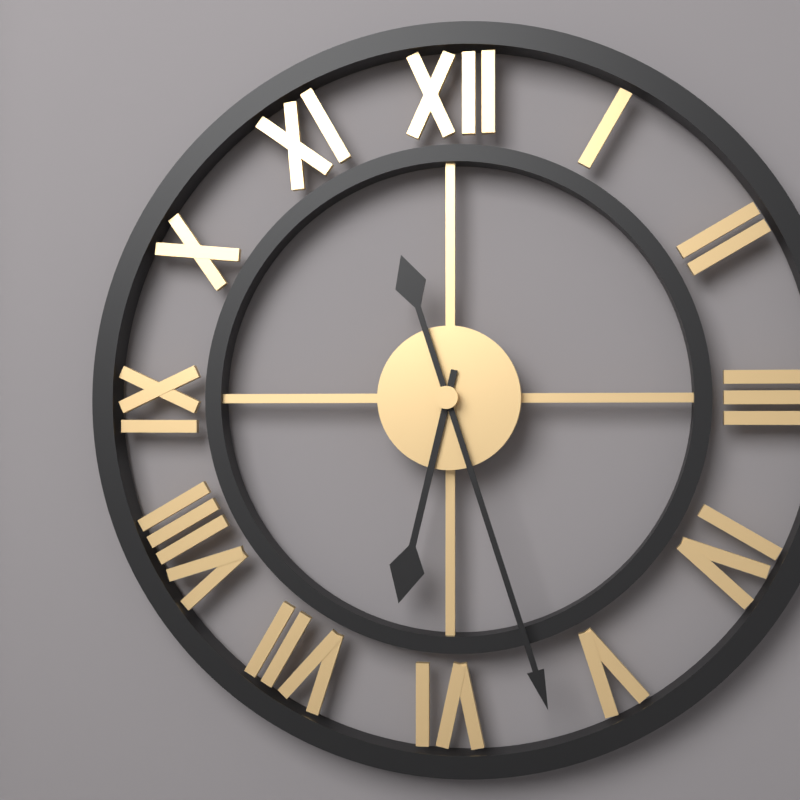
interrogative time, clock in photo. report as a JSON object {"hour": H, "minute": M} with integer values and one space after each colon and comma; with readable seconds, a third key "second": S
{"hour": 6, "minute": 27}
